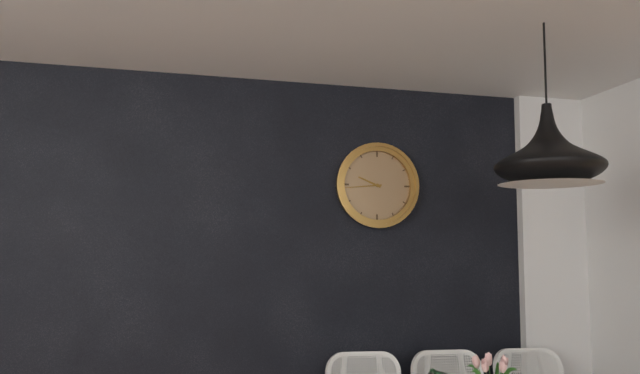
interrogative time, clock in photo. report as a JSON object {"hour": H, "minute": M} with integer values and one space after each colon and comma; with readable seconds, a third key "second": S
{"hour": 9, "minute": 44}
